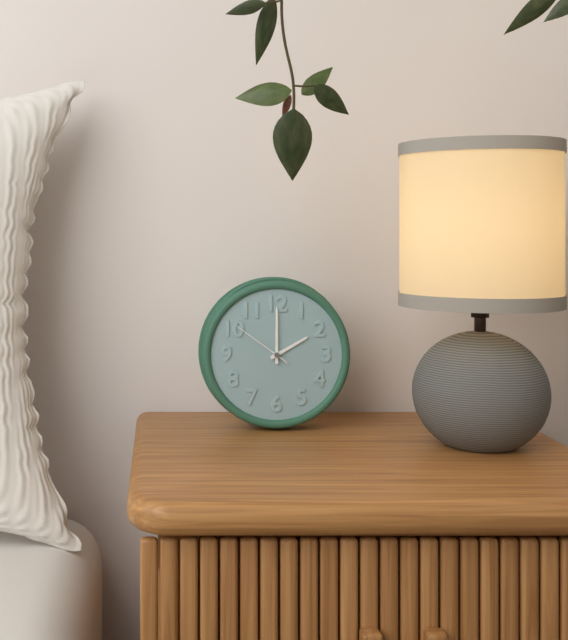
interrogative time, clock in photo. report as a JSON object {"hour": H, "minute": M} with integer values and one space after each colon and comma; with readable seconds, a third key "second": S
{"hour": 2, "minute": 0, "second": 51}
